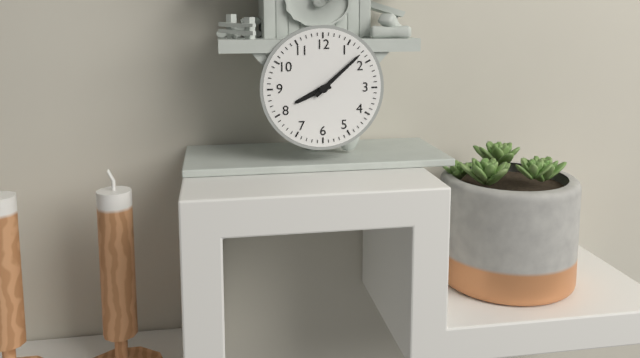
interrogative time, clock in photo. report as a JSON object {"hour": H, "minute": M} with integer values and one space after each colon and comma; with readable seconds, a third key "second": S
{"hour": 8, "minute": 8}
